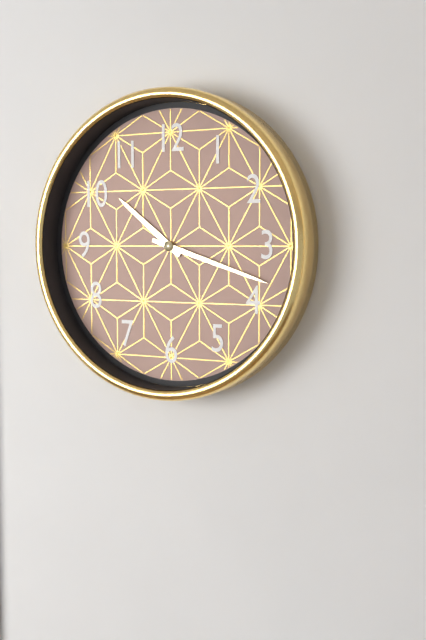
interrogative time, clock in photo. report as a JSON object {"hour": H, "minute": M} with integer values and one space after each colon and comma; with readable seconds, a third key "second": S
{"hour": 10, "minute": 18}
